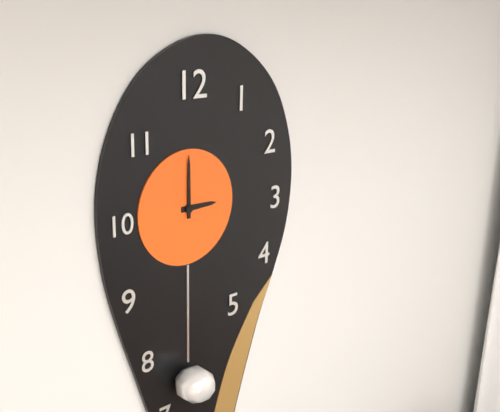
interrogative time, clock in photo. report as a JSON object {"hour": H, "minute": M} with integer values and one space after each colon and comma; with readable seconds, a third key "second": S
{"hour": 3, "minute": 0}
